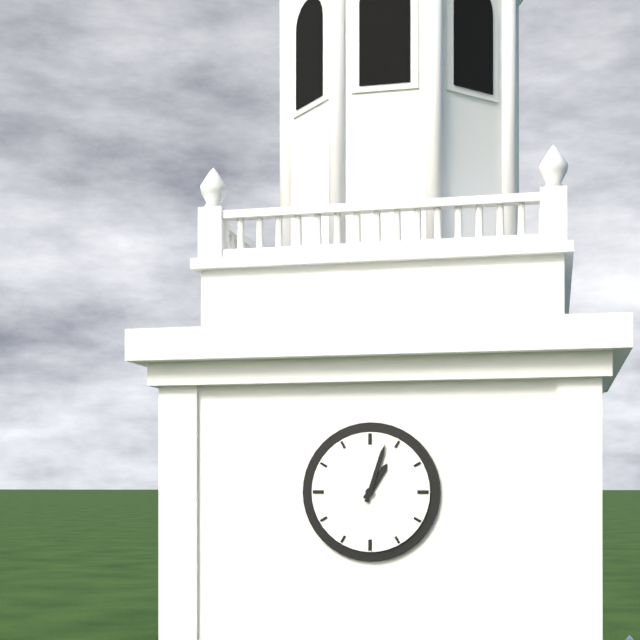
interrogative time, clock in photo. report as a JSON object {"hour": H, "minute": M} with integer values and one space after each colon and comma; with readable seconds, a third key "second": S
{"hour": 1, "minute": 3}
